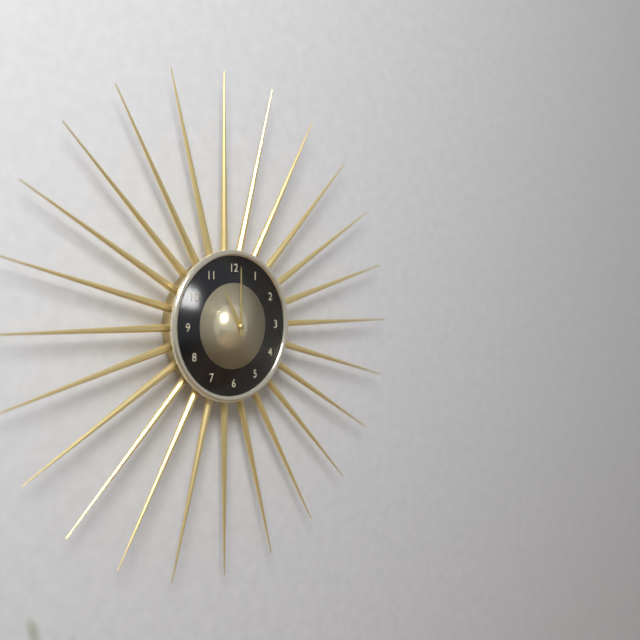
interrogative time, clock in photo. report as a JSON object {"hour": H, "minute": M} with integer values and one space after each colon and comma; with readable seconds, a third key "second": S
{"hour": 11, "minute": 0}
